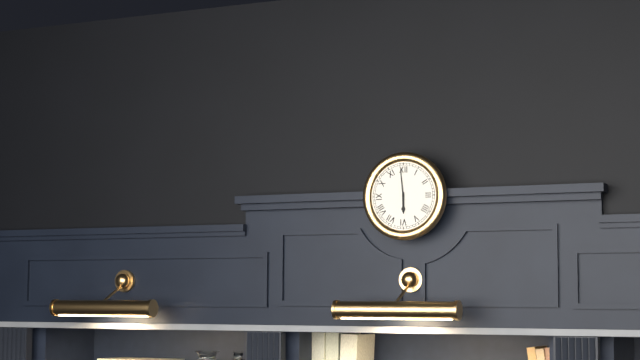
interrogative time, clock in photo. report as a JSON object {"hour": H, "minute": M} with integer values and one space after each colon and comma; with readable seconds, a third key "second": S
{"hour": 5, "minute": 59}
